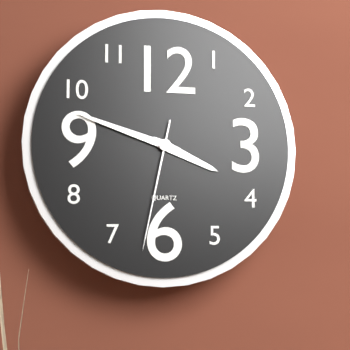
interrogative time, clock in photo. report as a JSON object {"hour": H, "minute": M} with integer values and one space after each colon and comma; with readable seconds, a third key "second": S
{"hour": 3, "minute": 48, "second": 32}
